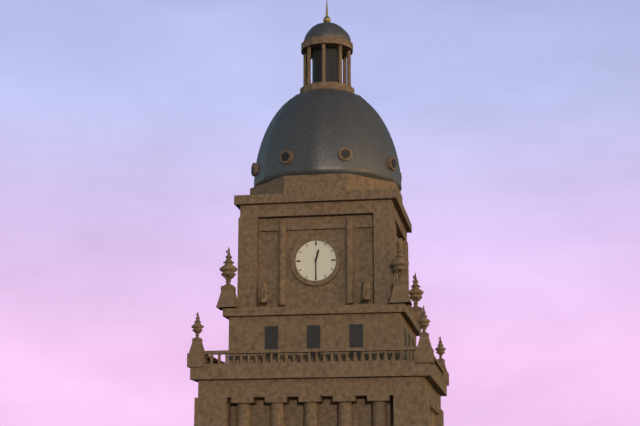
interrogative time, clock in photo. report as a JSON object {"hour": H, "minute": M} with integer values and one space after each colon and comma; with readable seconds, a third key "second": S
{"hour": 12, "minute": 30}
